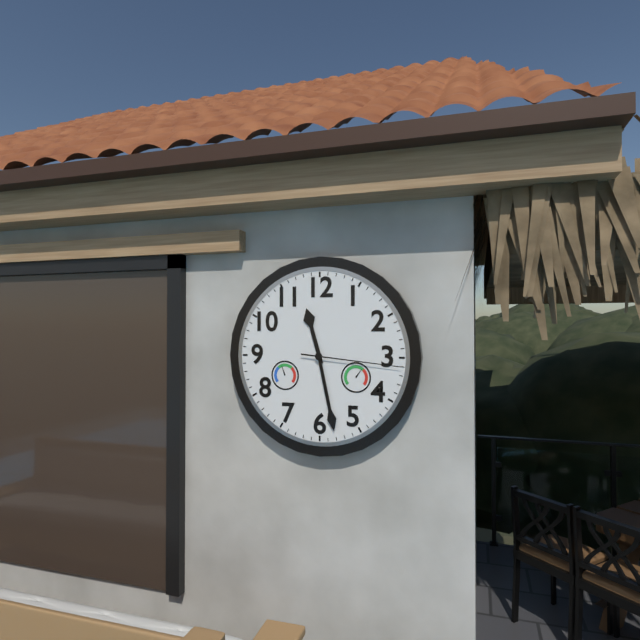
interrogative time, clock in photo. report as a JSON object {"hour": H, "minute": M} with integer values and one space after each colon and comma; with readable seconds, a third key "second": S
{"hour": 11, "minute": 28, "second": 16}
